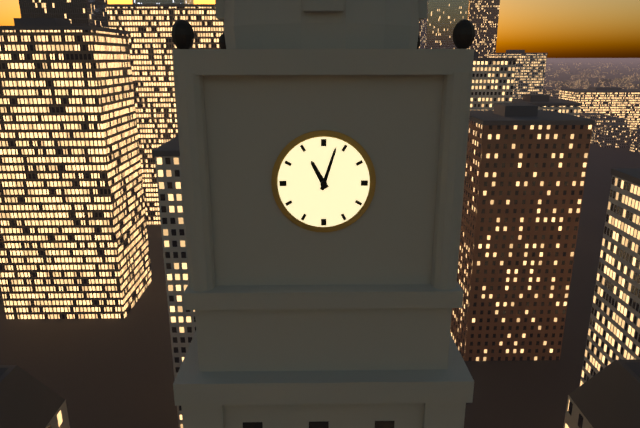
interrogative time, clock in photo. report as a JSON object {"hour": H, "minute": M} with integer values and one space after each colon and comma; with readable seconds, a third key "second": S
{"hour": 11, "minute": 3}
